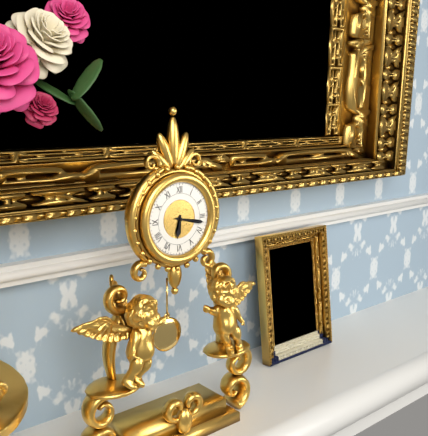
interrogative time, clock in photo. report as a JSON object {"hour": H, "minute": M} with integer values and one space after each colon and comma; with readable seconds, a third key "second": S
{"hour": 6, "minute": 17}
